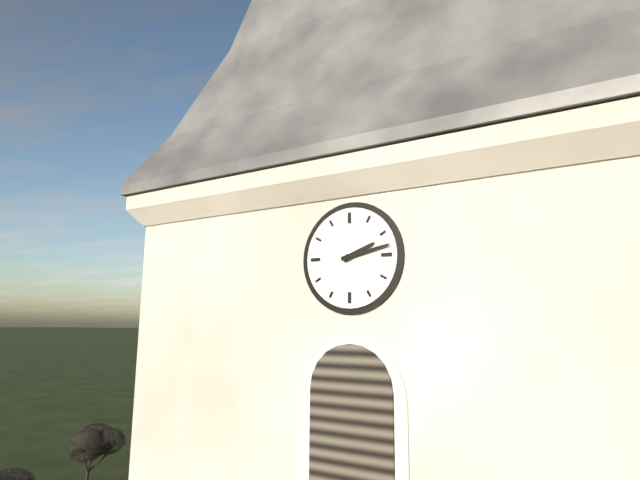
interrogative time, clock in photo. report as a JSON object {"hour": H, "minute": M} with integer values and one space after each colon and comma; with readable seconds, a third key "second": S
{"hour": 2, "minute": 13}
